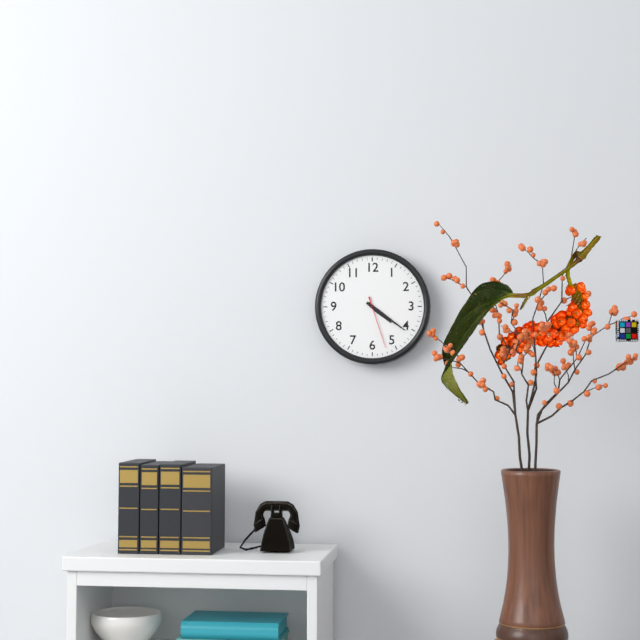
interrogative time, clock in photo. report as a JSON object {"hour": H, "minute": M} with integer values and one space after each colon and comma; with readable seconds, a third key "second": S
{"hour": 4, "minute": 21, "second": 27}
